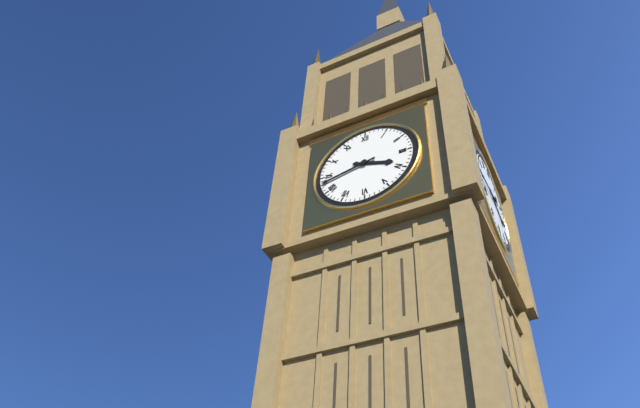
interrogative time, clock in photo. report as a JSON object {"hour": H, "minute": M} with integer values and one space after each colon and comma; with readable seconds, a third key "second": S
{"hour": 3, "minute": 43}
